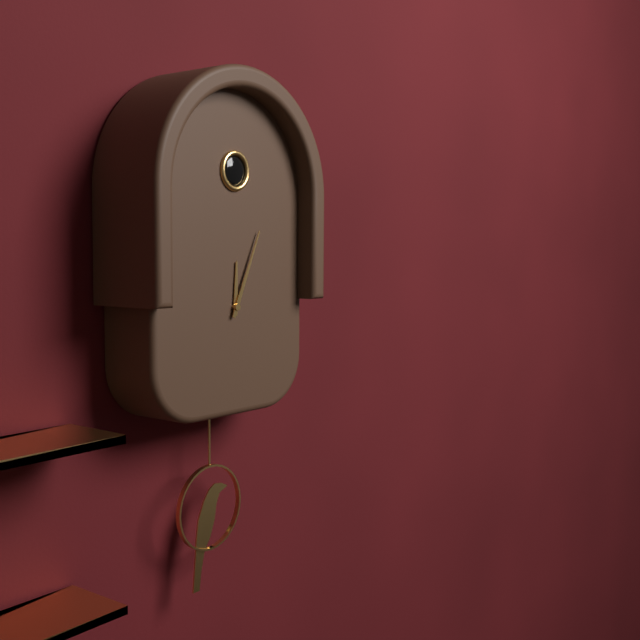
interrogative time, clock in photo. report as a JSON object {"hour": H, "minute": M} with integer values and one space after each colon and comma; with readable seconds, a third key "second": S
{"hour": 12, "minute": 4}
